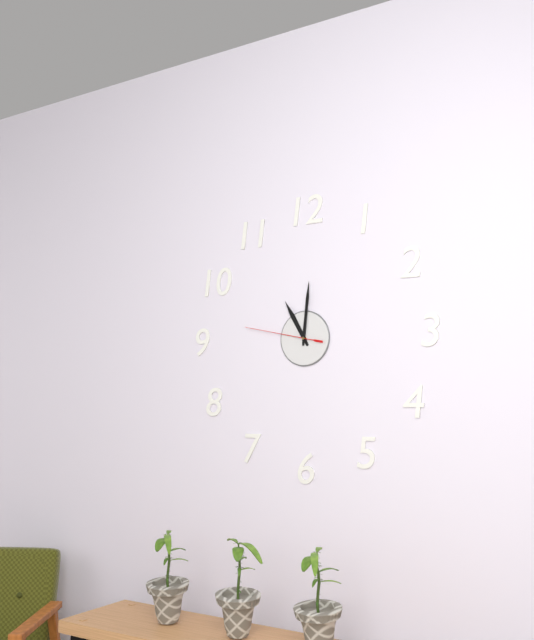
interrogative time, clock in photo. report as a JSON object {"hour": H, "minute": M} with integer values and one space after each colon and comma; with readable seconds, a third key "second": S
{"hour": 11, "minute": 1, "second": 47}
